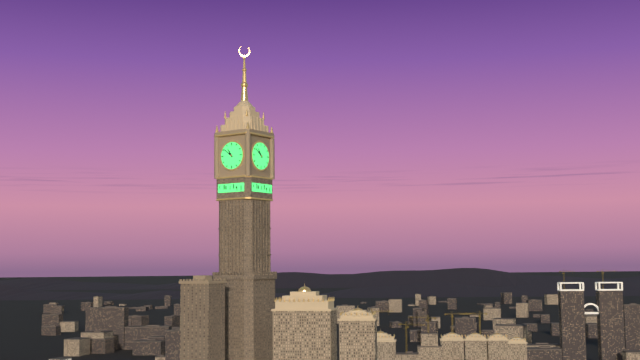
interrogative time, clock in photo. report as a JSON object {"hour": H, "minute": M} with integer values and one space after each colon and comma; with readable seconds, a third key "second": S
{"hour": 10, "minute": 51}
